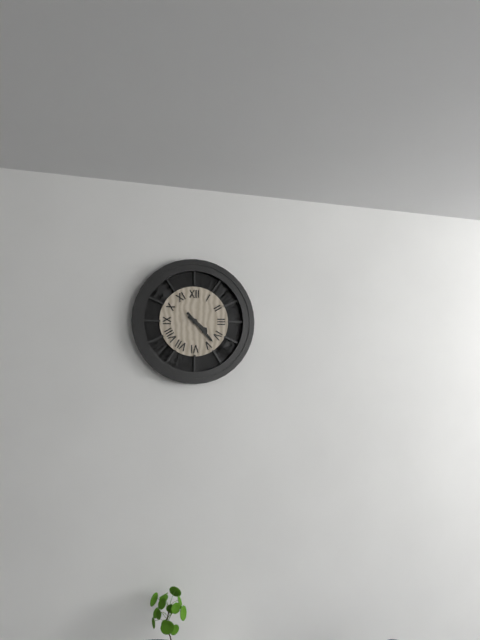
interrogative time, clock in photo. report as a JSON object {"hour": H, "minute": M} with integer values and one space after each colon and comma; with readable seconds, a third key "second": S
{"hour": 4, "minute": 23}
